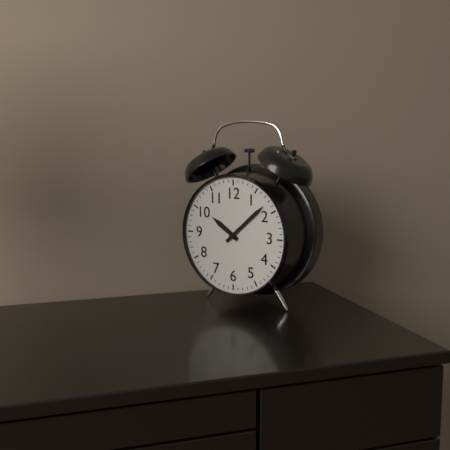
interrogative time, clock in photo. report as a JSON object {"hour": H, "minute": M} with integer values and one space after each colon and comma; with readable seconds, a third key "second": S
{"hour": 10, "minute": 8}
